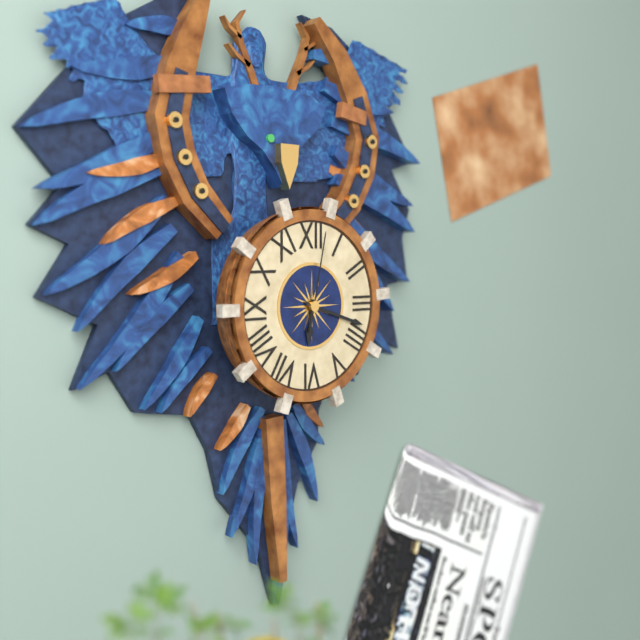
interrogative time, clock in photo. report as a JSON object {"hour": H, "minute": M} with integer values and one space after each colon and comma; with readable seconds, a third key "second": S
{"hour": 6, "minute": 18, "second": 2}
